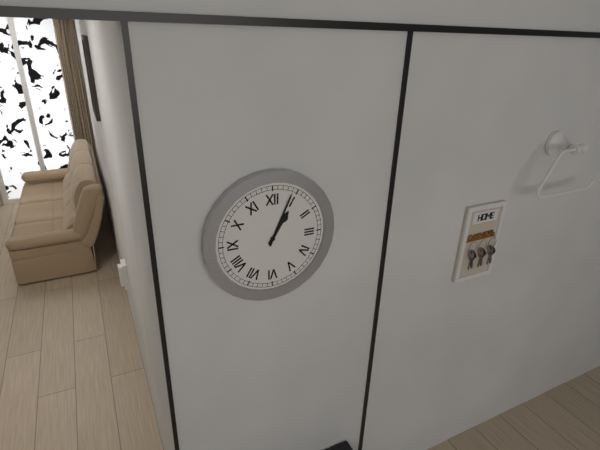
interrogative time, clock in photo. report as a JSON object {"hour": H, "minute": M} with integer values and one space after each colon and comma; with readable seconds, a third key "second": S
{"hour": 1, "minute": 4}
